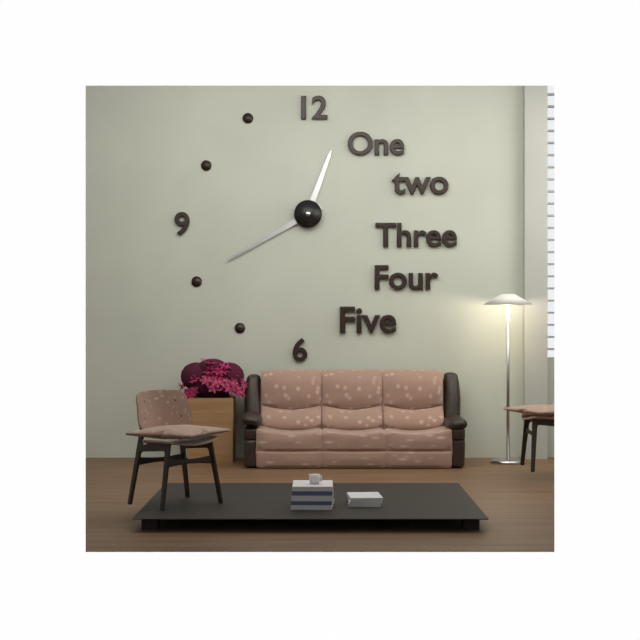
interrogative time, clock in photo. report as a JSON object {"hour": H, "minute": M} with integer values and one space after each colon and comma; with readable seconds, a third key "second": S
{"hour": 12, "minute": 40}
